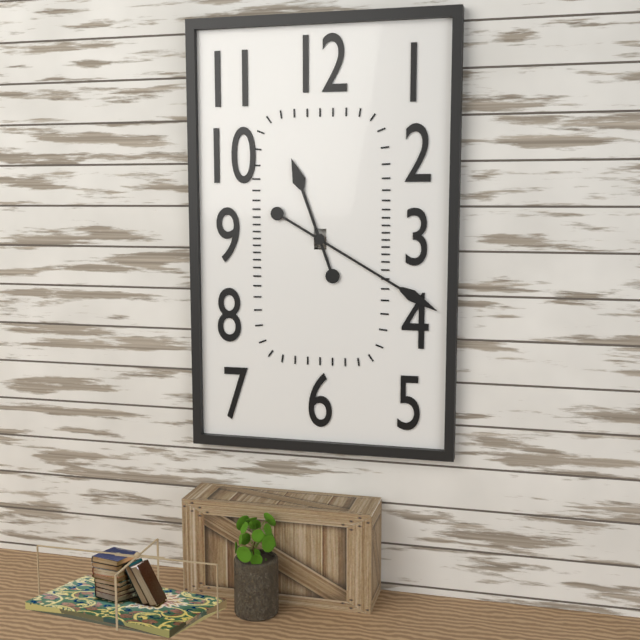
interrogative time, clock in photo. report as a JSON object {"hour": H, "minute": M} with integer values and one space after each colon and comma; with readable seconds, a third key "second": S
{"hour": 11, "minute": 20}
